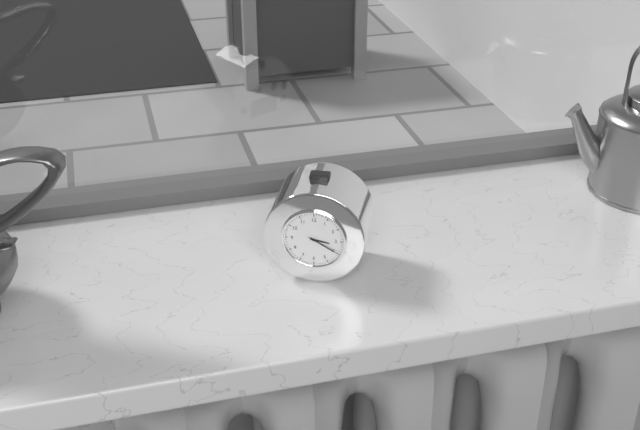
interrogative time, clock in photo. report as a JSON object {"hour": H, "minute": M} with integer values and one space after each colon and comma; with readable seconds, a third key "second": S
{"hour": 3, "minute": 20}
